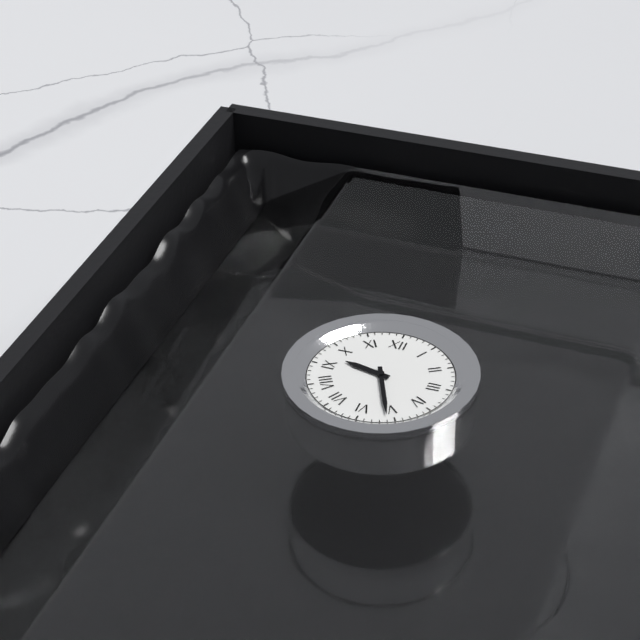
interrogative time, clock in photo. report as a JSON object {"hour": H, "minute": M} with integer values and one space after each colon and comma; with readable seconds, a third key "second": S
{"hour": 9, "minute": 26}
